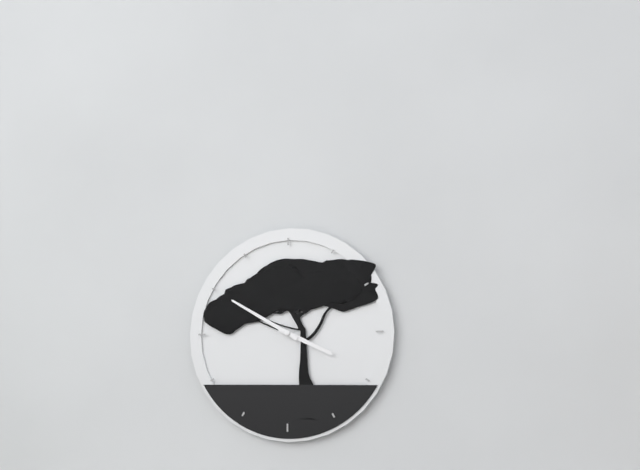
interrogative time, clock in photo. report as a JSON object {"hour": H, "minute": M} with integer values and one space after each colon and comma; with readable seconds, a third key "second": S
{"hour": 3, "minute": 50}
